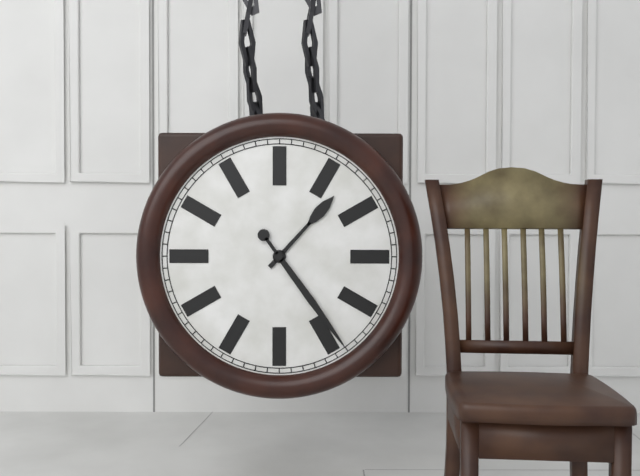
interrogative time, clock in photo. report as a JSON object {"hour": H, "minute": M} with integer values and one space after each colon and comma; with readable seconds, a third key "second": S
{"hour": 1, "minute": 24}
